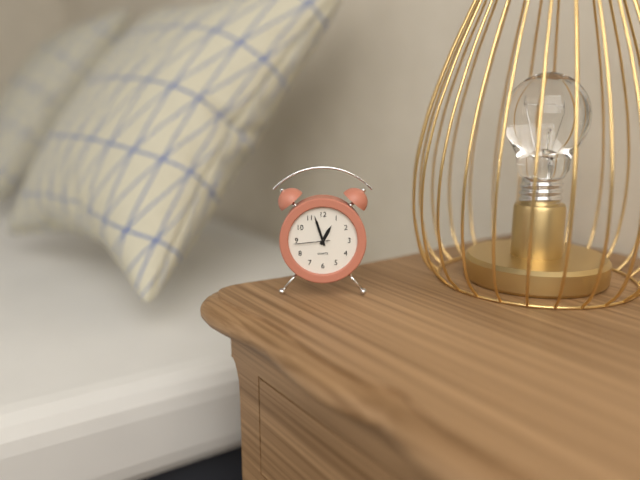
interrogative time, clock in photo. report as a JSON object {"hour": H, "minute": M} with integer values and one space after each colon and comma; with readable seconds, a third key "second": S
{"hour": 12, "minute": 57}
